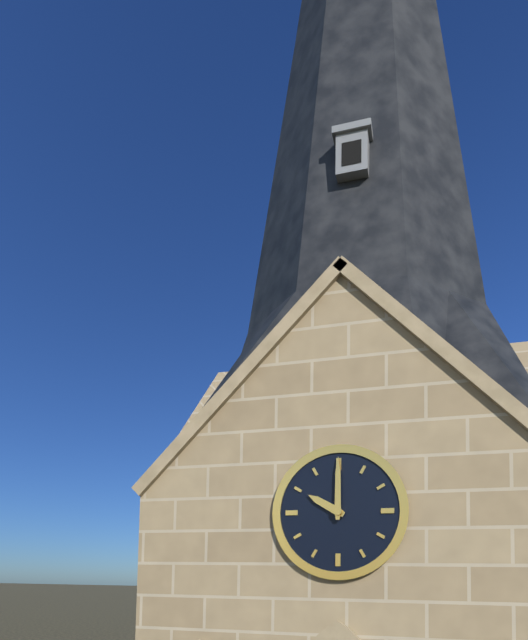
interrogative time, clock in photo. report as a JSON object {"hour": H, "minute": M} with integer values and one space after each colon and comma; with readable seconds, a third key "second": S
{"hour": 10, "minute": 0}
